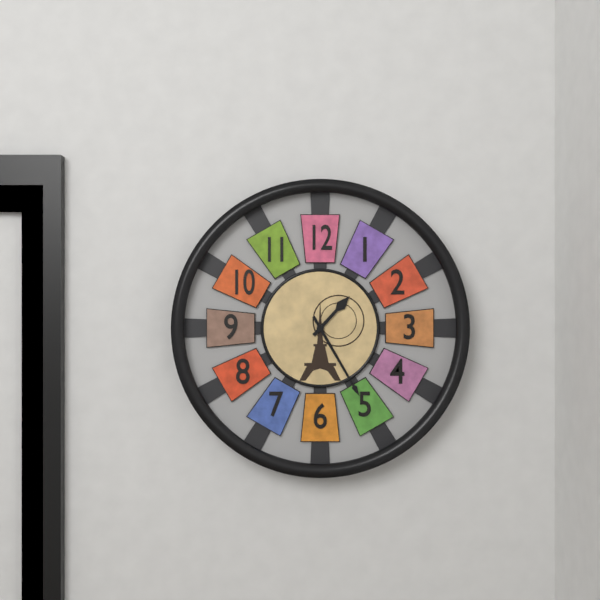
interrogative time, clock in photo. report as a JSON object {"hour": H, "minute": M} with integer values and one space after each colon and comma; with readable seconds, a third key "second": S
{"hour": 1, "minute": 25}
